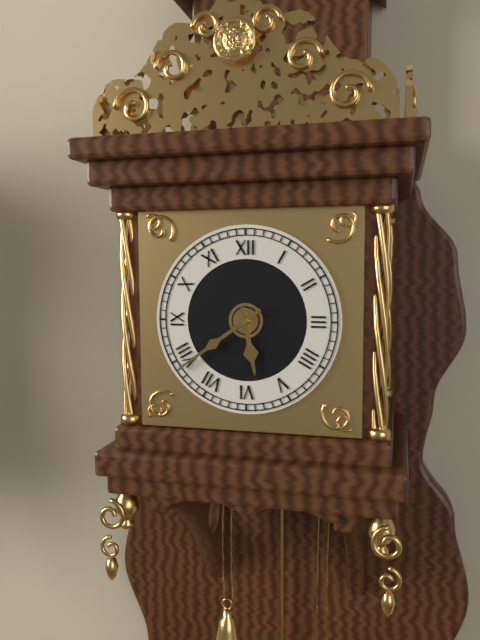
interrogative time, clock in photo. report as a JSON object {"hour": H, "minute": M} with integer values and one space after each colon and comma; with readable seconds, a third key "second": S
{"hour": 5, "minute": 39}
